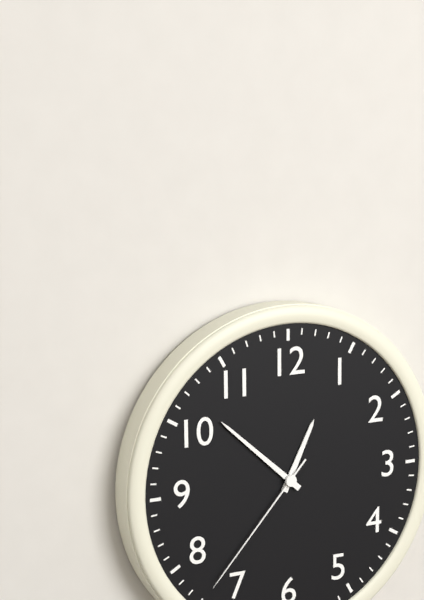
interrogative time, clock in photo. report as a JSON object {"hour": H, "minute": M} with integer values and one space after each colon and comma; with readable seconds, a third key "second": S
{"hour": 12, "minute": 52, "second": 37}
